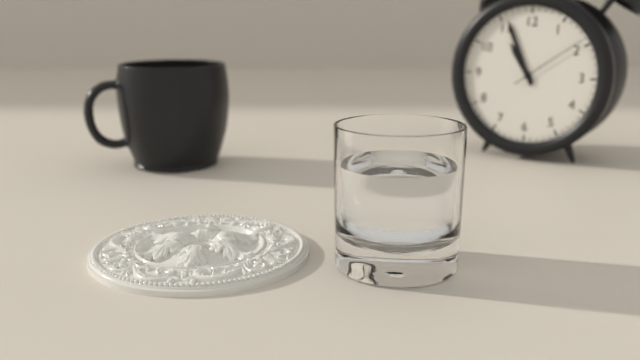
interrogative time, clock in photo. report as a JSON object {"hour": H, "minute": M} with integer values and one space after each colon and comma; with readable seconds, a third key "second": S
{"hour": 10, "minute": 56, "second": 9}
